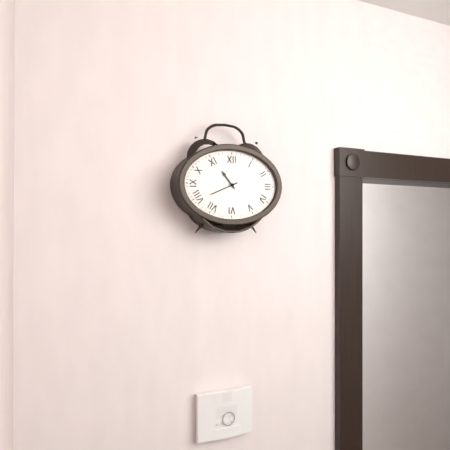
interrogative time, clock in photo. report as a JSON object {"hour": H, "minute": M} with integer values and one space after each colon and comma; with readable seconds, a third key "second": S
{"hour": 10, "minute": 41}
